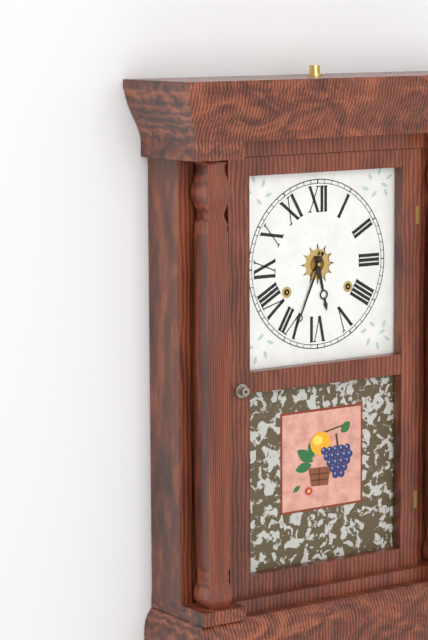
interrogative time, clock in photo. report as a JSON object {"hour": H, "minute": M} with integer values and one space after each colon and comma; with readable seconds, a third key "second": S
{"hour": 5, "minute": 34}
